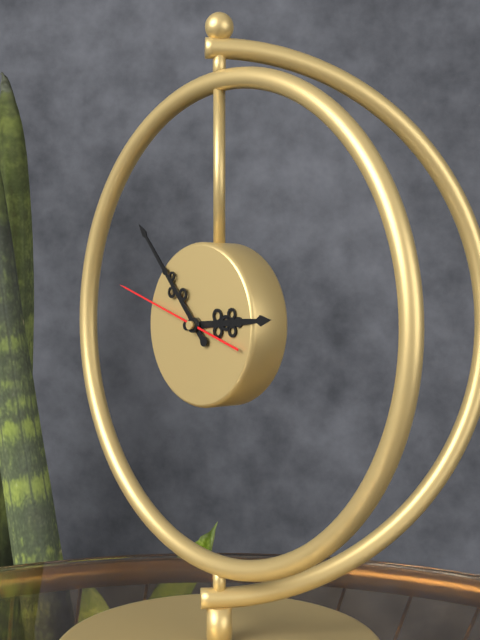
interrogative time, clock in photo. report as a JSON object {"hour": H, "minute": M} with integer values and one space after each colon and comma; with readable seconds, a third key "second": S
{"hour": 2, "minute": 53, "second": 48}
